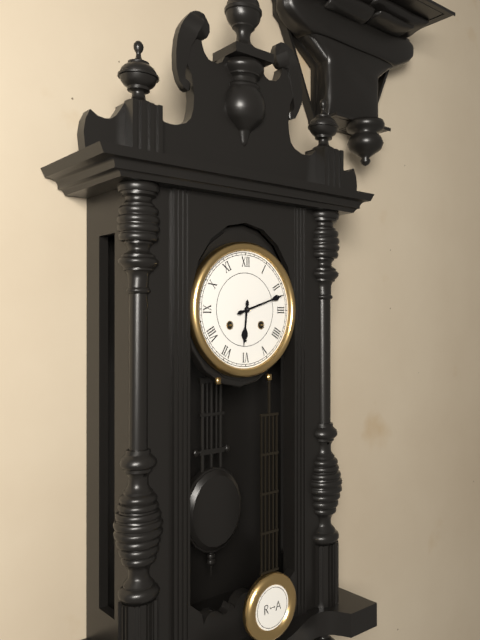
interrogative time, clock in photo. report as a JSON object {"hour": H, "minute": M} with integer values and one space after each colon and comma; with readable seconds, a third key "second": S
{"hour": 6, "minute": 12}
